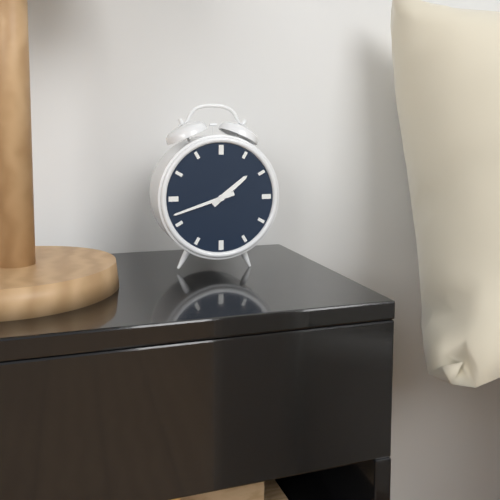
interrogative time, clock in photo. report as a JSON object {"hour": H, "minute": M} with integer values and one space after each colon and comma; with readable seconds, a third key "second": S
{"hour": 1, "minute": 42}
